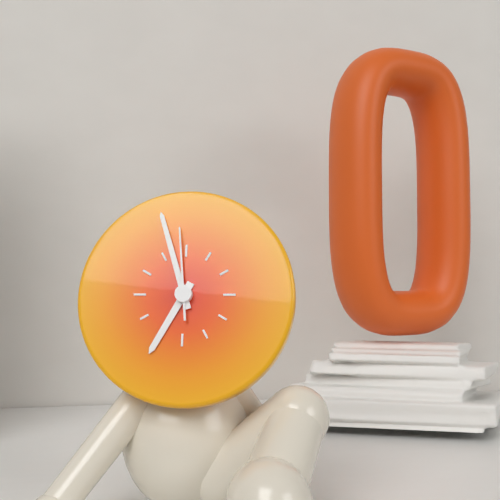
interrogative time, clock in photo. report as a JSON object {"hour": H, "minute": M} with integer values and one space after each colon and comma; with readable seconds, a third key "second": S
{"hour": 6, "minute": 57, "second": 59}
